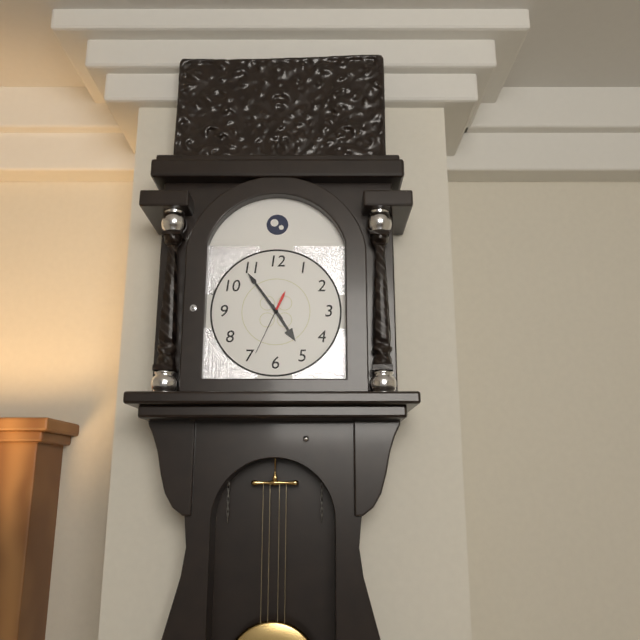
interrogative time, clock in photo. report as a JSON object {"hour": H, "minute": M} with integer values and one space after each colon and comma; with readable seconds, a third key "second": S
{"hour": 4, "minute": 54}
